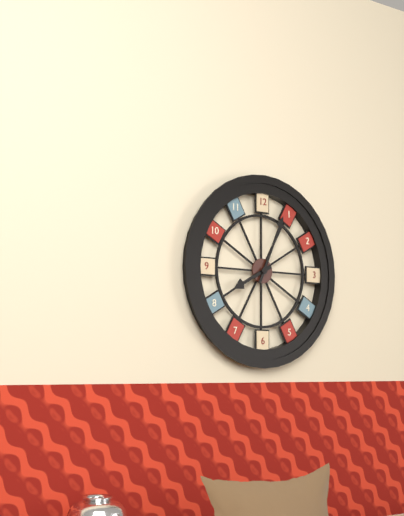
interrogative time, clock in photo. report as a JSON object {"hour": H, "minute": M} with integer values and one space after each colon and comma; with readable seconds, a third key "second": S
{"hour": 8, "minute": 4}
